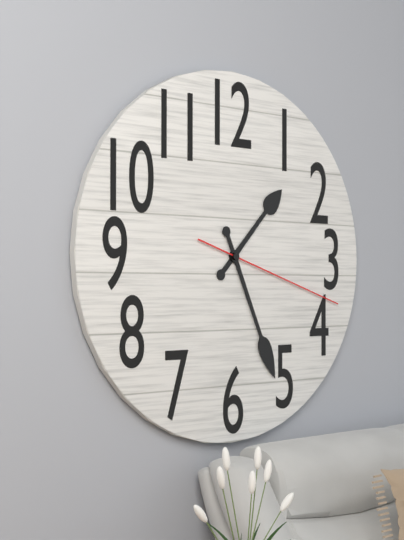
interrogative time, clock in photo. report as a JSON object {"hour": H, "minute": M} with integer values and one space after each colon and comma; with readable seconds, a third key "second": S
{"hour": 1, "minute": 26, "second": 18}
